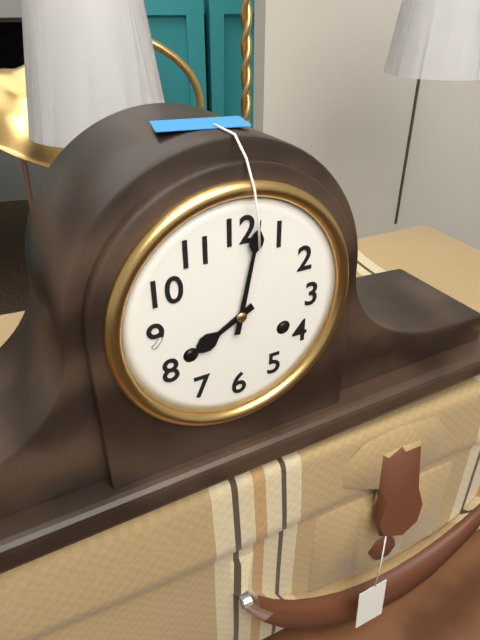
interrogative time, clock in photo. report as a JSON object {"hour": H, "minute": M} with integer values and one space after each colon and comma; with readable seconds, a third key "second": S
{"hour": 8, "minute": 2}
